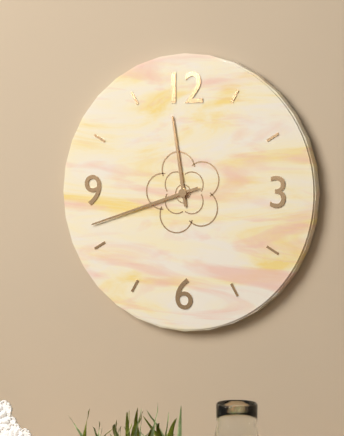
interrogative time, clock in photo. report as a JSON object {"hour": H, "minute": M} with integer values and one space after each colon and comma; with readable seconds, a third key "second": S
{"hour": 11, "minute": 42}
